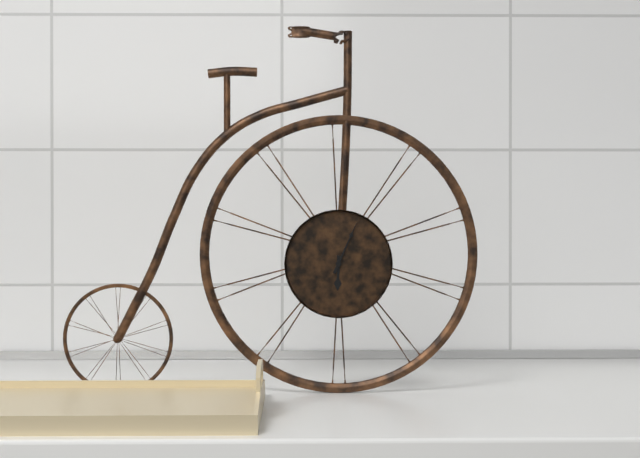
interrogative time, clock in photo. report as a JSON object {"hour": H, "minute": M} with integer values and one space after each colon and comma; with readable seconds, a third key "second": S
{"hour": 6, "minute": 4}
